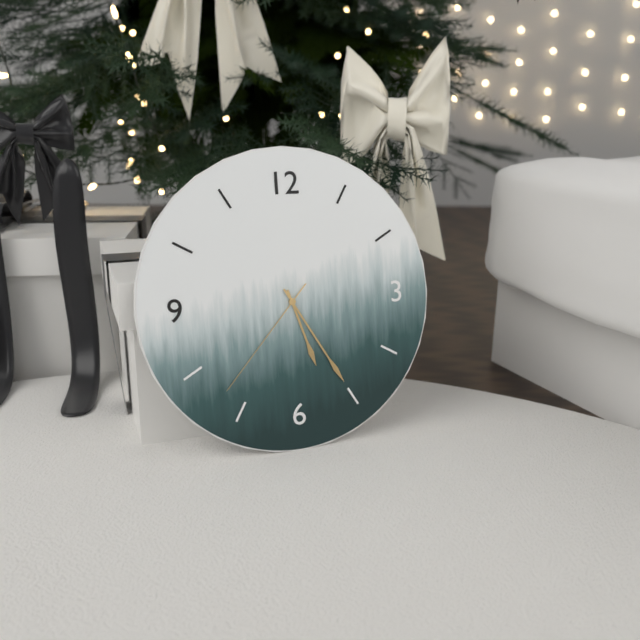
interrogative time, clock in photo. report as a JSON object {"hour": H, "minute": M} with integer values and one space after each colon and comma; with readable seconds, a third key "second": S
{"hour": 5, "minute": 25, "second": 37}
